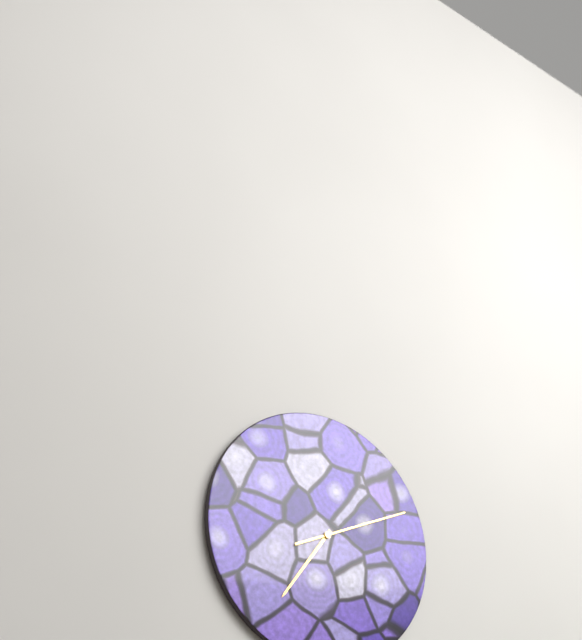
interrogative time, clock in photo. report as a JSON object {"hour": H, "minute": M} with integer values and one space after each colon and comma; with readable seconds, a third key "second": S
{"hour": 7, "minute": 11}
